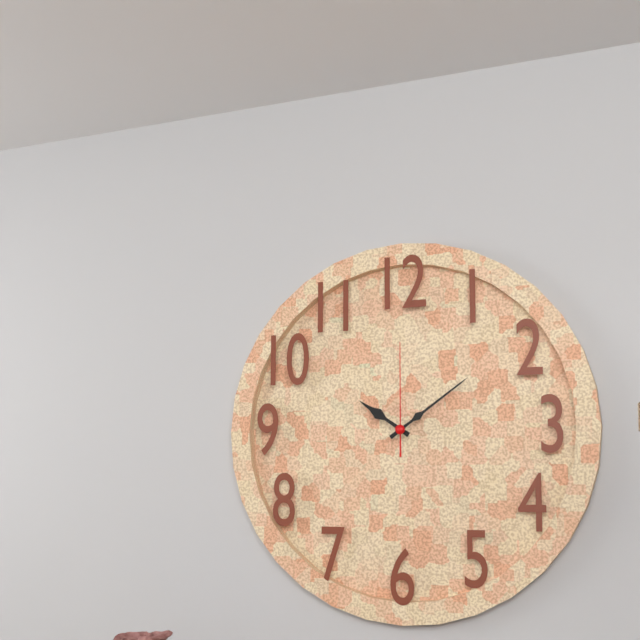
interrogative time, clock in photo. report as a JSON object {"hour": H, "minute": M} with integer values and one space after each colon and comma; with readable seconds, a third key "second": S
{"hour": 10, "minute": 9, "second": 0}
